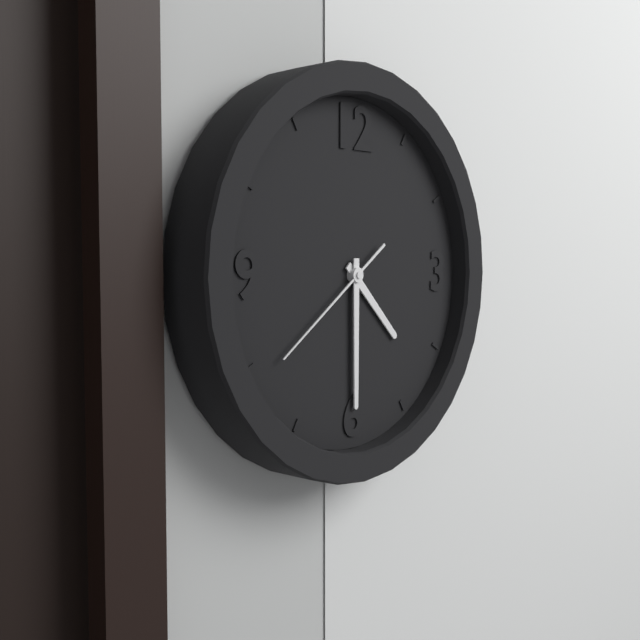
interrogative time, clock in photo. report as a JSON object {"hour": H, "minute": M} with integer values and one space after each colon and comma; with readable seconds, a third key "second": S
{"hour": 4, "minute": 30, "second": 39}
